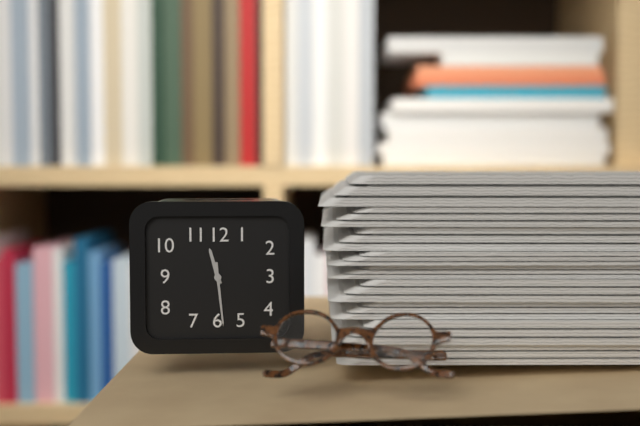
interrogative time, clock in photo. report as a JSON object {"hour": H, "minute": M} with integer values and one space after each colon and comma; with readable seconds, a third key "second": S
{"hour": 11, "minute": 29}
